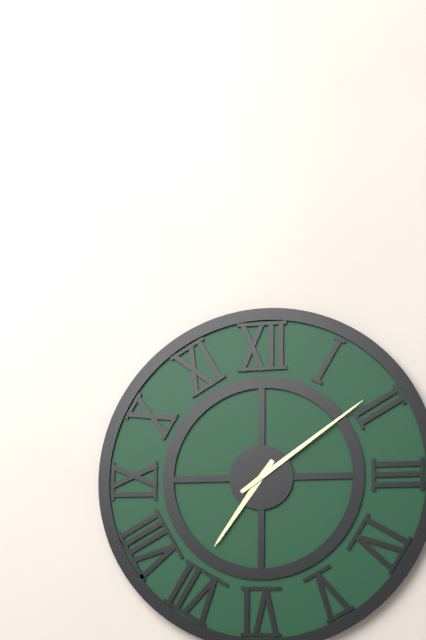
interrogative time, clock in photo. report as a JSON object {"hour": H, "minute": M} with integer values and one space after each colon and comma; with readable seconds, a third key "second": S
{"hour": 7, "minute": 9}
